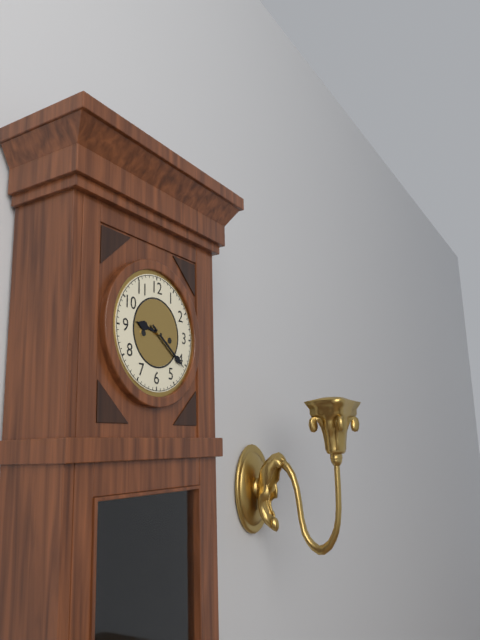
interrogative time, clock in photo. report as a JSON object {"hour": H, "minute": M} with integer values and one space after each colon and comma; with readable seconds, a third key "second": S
{"hour": 9, "minute": 21}
